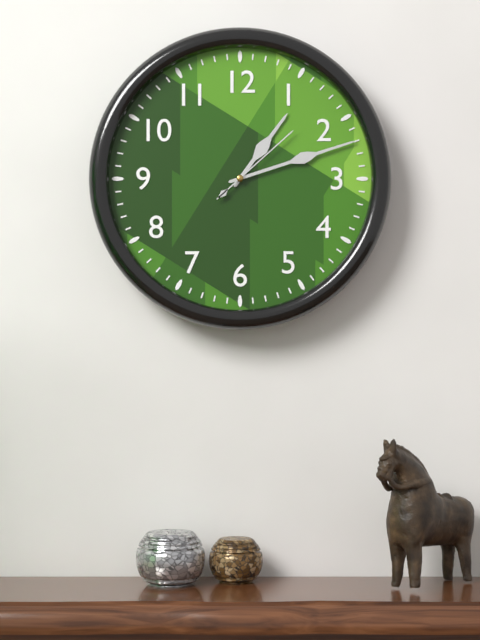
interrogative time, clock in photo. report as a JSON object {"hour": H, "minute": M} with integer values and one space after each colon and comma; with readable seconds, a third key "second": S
{"hour": 1, "minute": 12, "second": 8}
